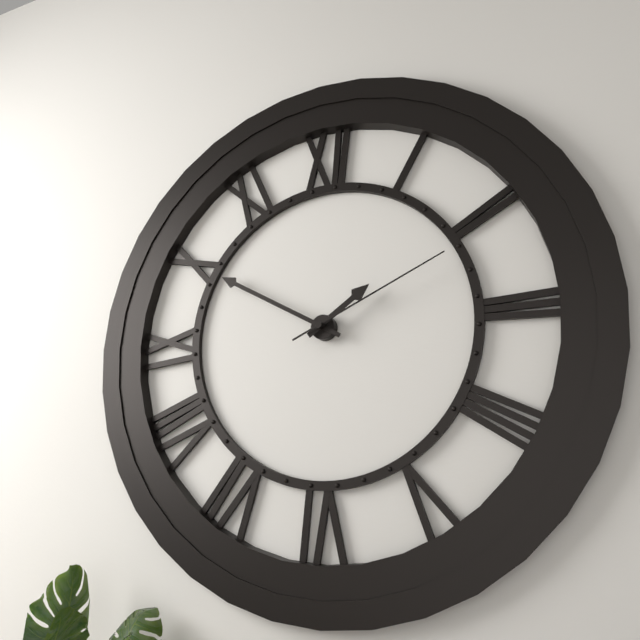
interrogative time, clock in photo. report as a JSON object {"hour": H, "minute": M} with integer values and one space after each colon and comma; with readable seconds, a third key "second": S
{"hour": 1, "minute": 50, "second": 11}
